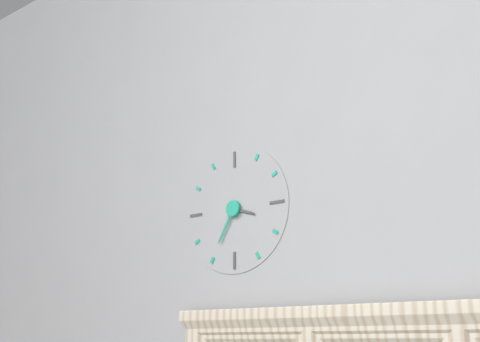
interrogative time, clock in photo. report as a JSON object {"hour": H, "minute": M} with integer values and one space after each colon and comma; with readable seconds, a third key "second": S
{"hour": 3, "minute": 35}
